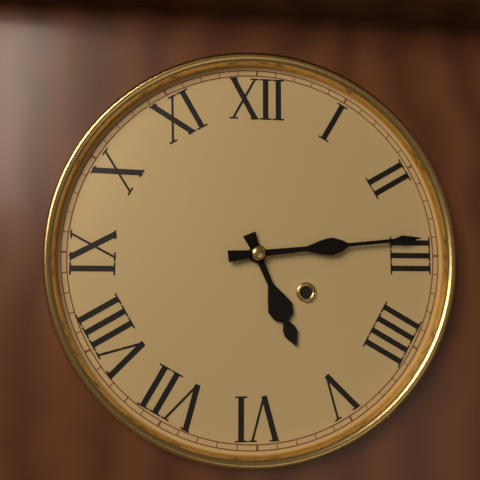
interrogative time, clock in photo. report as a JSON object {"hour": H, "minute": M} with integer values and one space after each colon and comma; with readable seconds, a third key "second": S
{"hour": 5, "minute": 14}
